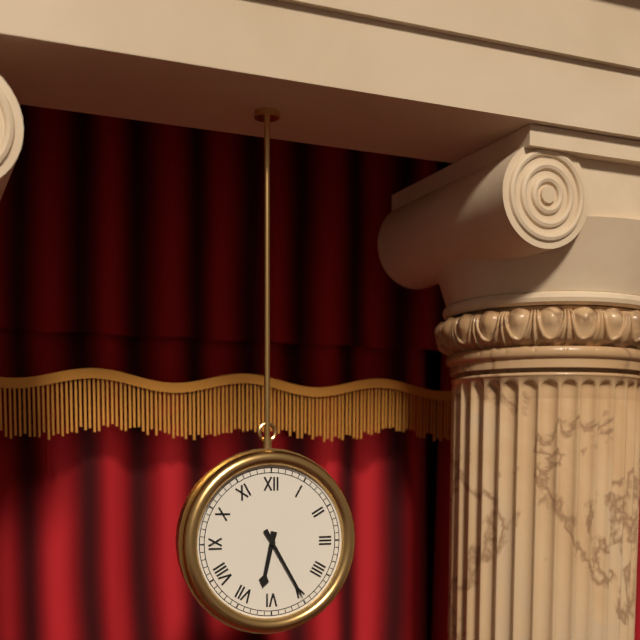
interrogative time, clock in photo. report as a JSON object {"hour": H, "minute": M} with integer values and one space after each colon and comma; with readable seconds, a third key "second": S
{"hour": 6, "minute": 25}
